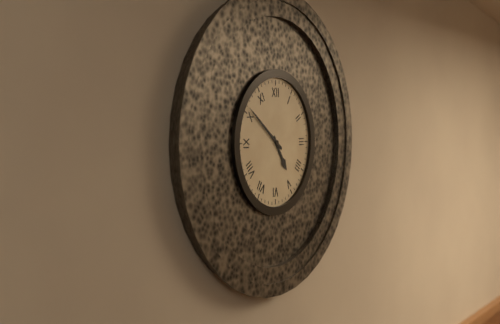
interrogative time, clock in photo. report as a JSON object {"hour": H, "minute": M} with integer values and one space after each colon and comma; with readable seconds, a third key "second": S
{"hour": 4, "minute": 51}
